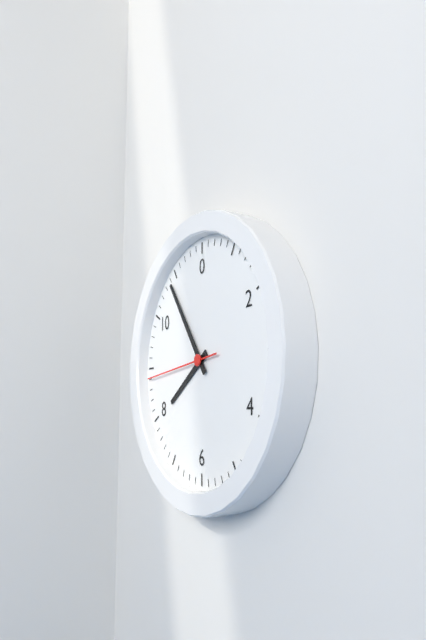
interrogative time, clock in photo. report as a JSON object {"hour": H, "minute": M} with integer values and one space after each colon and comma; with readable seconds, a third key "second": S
{"hour": 7, "minute": 54, "second": 44}
